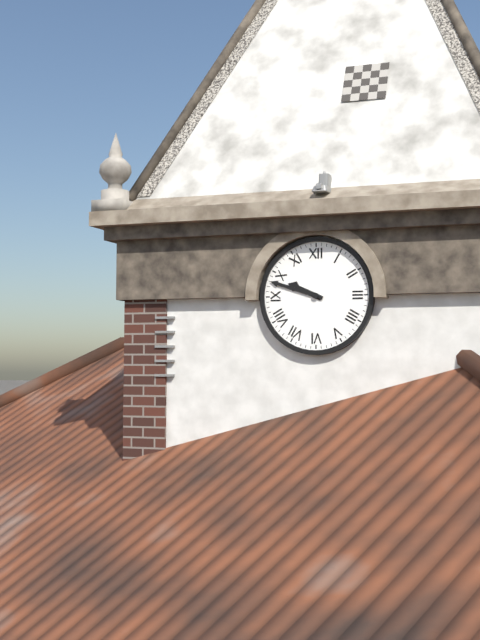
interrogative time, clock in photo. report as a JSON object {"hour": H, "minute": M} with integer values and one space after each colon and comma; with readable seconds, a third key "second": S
{"hour": 9, "minute": 48}
